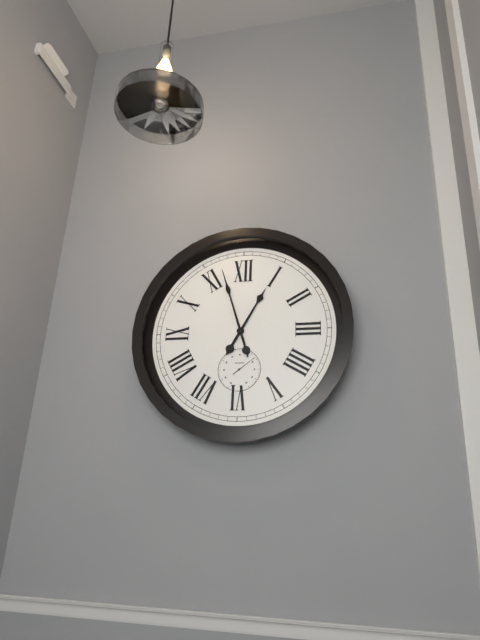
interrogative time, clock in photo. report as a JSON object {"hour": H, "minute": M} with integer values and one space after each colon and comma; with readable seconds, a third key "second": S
{"hour": 12, "minute": 57}
